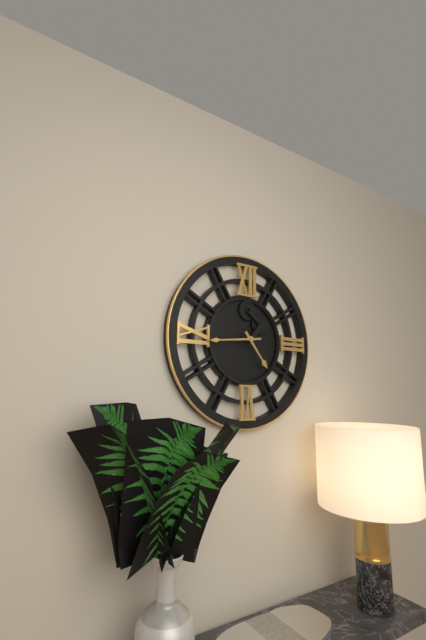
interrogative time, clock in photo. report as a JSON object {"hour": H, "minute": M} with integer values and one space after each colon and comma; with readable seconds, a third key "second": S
{"hour": 4, "minute": 44}
